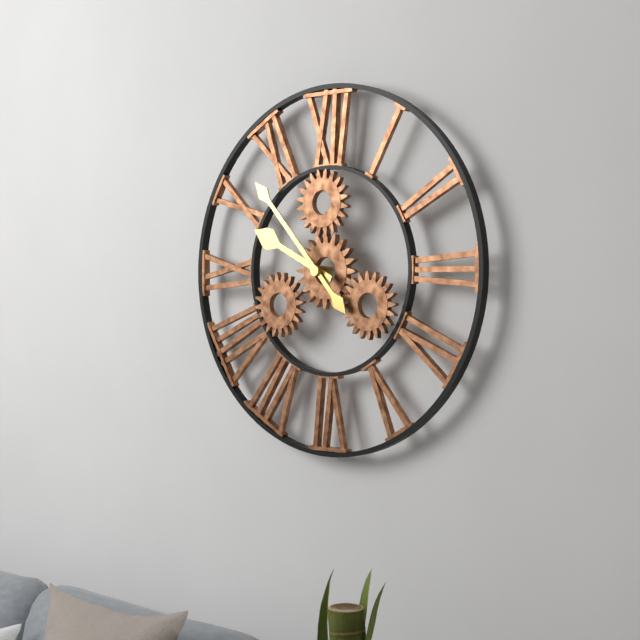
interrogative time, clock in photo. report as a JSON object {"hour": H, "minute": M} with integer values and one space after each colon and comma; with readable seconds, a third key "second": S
{"hour": 9, "minute": 53}
